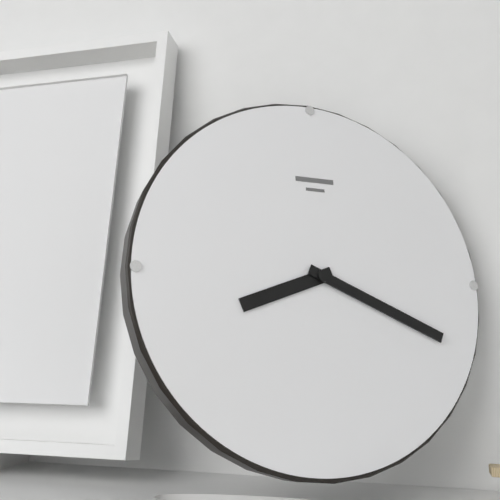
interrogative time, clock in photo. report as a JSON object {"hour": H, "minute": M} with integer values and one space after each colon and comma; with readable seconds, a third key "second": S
{"hour": 8, "minute": 19}
